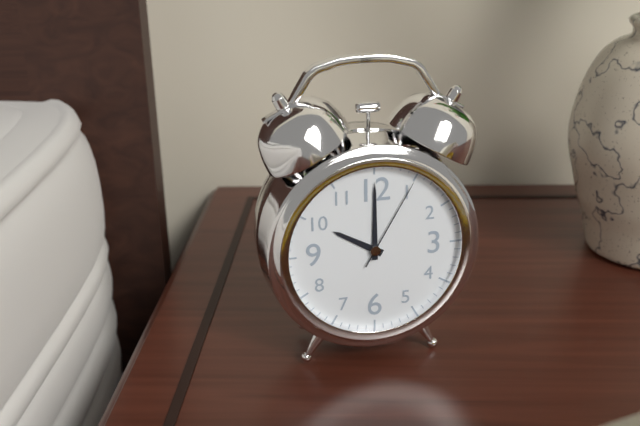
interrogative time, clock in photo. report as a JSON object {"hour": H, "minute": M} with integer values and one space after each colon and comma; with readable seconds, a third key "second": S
{"hour": 10, "minute": 0, "second": 5}
